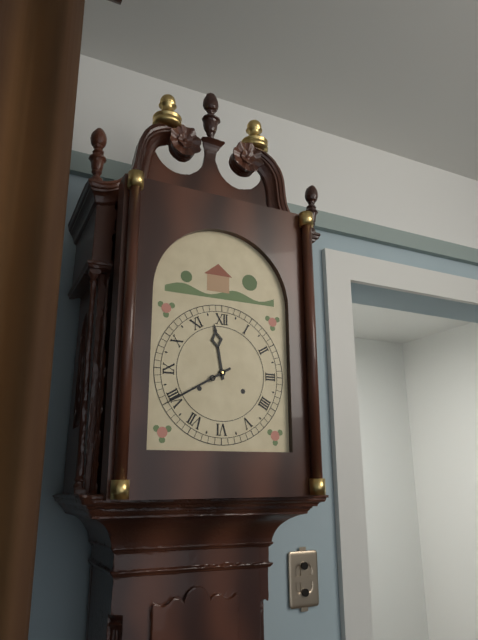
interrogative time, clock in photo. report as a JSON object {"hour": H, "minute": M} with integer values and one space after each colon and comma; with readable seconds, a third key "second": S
{"hour": 11, "minute": 40}
